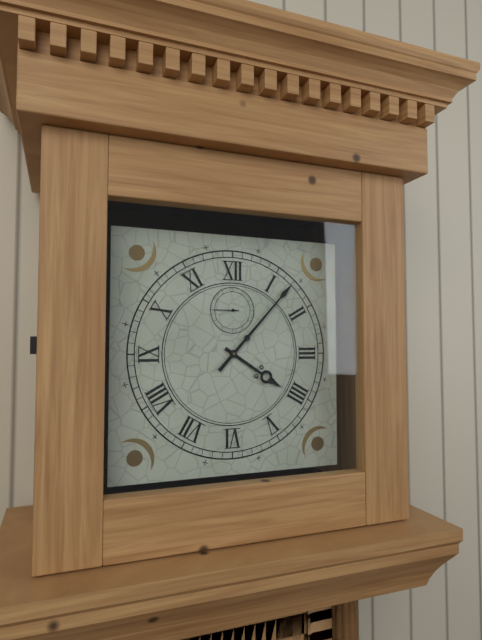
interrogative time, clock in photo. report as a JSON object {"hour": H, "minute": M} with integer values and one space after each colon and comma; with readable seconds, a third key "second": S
{"hour": 4, "minute": 7}
